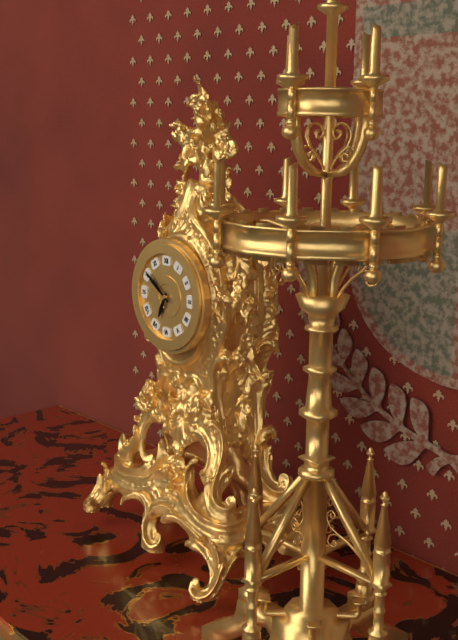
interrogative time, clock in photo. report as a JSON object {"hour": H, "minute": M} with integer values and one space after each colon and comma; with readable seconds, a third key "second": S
{"hour": 6, "minute": 51}
